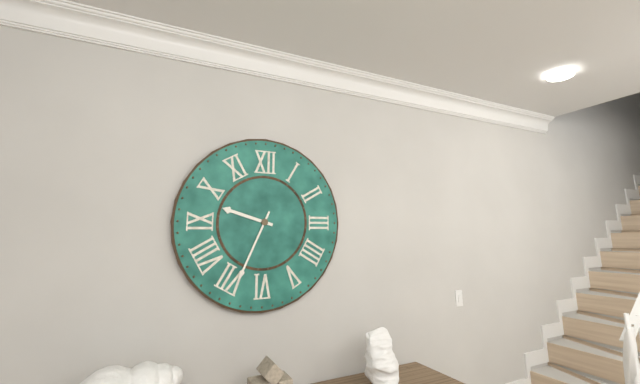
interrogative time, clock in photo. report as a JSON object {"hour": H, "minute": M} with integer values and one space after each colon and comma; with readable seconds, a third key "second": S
{"hour": 9, "minute": 34}
